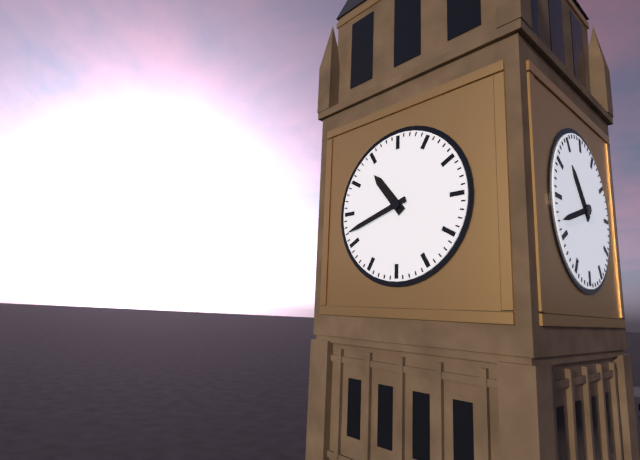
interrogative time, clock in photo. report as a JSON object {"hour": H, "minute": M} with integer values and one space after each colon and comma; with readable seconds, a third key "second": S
{"hour": 10, "minute": 42}
